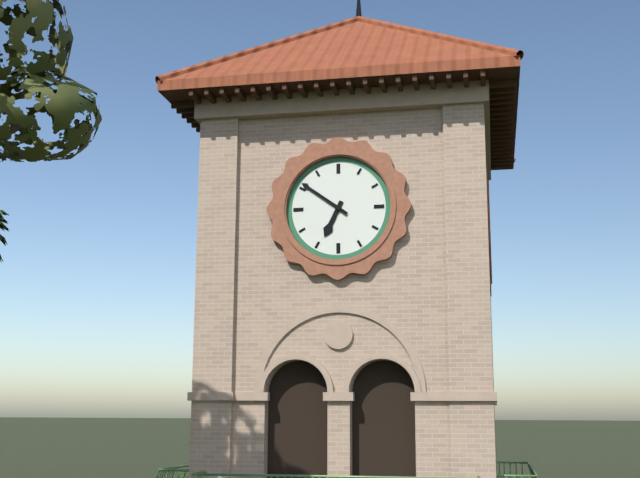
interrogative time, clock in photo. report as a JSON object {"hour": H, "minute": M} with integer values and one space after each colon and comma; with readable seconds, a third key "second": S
{"hour": 6, "minute": 51}
